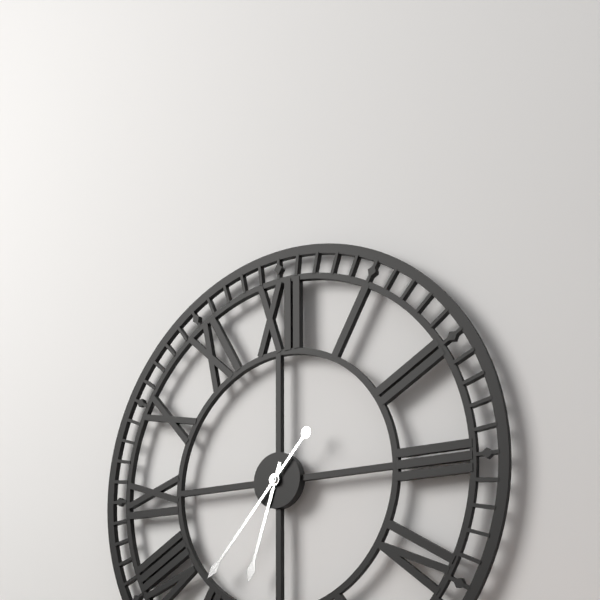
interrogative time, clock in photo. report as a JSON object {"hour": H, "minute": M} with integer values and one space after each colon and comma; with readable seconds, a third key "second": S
{"hour": 6, "minute": 37}
